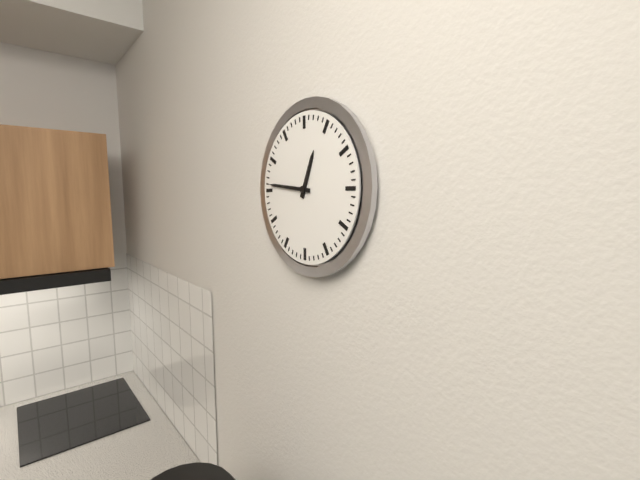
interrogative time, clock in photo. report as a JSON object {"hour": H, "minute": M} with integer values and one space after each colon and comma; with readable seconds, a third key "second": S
{"hour": 12, "minute": 46}
